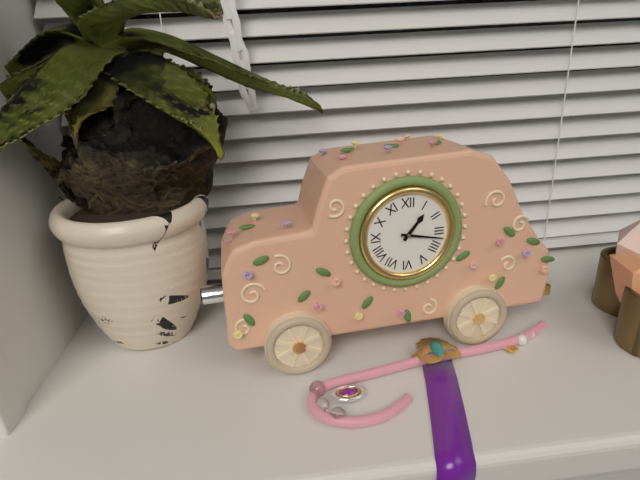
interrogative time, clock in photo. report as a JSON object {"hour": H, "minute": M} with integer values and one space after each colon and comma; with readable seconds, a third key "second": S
{"hour": 1, "minute": 17}
